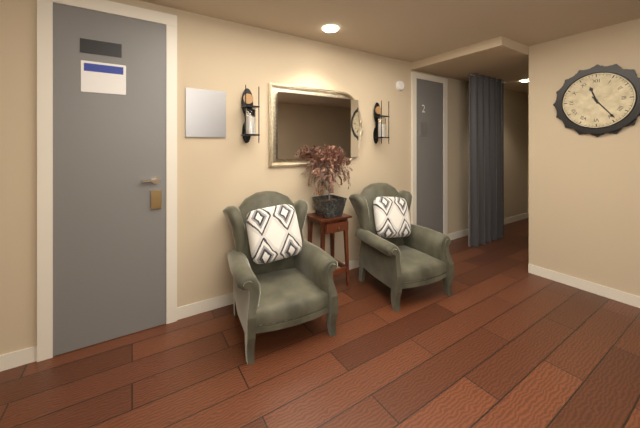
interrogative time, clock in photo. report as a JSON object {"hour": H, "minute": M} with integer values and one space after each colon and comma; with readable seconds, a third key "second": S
{"hour": 11, "minute": 24}
